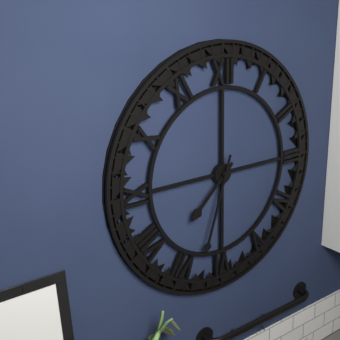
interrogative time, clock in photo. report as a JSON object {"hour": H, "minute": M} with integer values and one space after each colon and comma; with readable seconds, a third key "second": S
{"hour": 7, "minute": 33}
